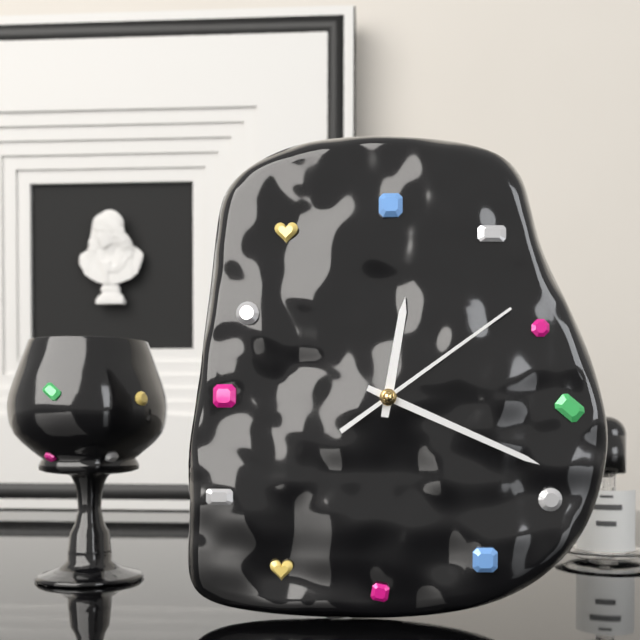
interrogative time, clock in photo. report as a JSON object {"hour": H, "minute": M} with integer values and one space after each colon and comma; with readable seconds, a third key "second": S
{"hour": 12, "minute": 19, "second": 9}
